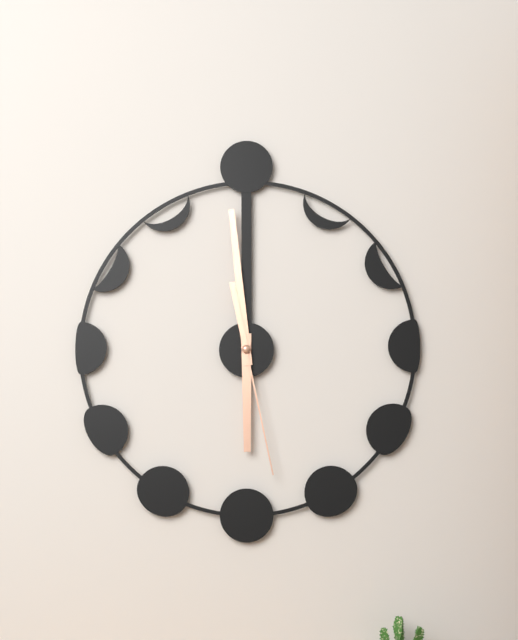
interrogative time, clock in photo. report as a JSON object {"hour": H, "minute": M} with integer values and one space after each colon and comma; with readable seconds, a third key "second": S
{"hour": 5, "minute": 59, "second": 28}
